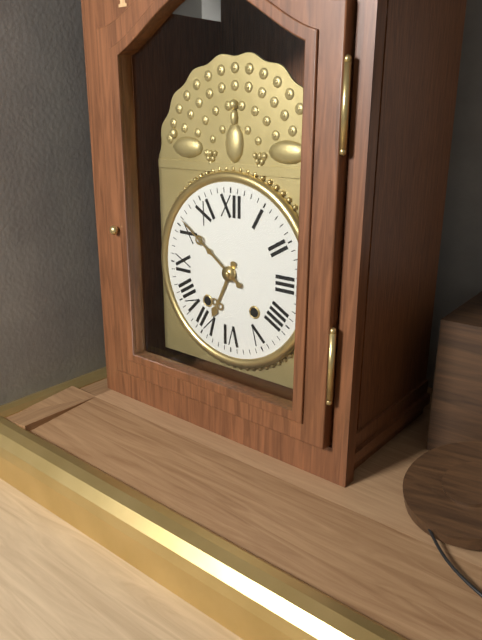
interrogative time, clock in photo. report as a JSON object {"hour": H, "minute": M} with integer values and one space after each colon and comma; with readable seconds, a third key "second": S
{"hour": 6, "minute": 51}
